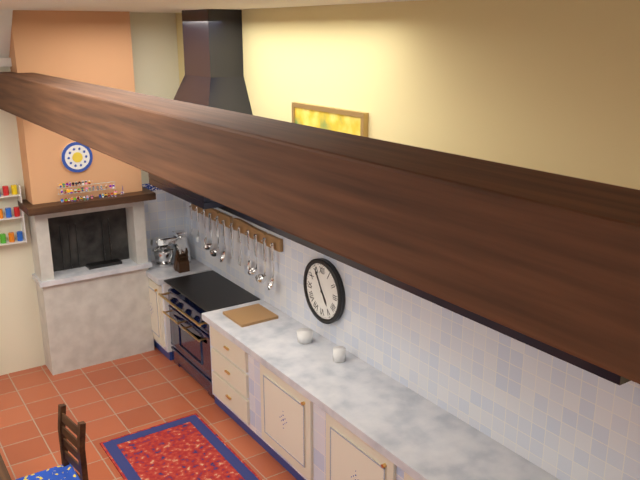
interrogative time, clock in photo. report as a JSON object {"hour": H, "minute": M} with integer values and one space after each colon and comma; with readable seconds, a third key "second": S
{"hour": 4, "minute": 55}
